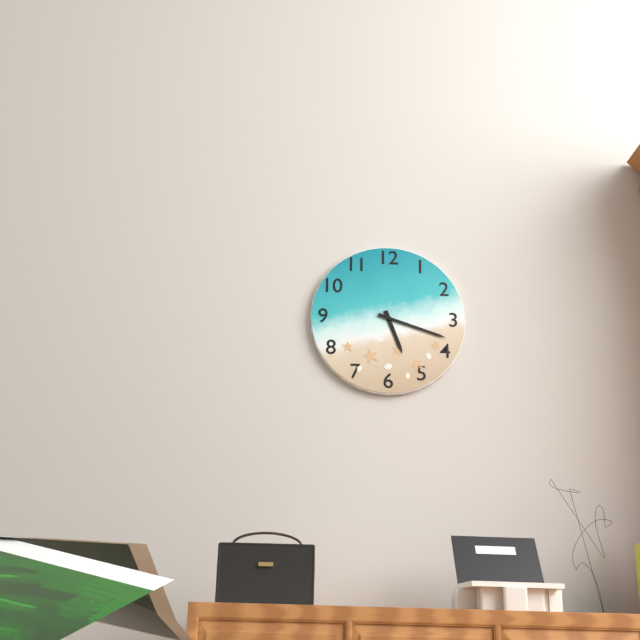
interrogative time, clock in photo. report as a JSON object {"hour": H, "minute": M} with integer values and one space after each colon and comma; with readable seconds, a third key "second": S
{"hour": 5, "minute": 18}
